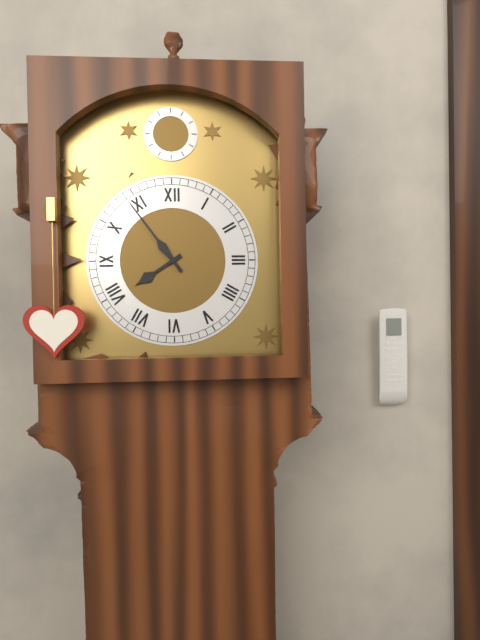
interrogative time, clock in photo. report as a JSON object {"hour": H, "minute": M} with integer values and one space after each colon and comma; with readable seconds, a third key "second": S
{"hour": 7, "minute": 54}
